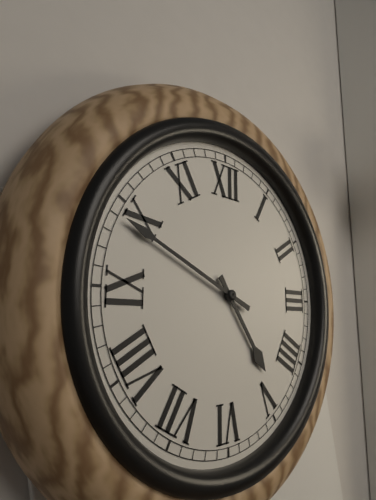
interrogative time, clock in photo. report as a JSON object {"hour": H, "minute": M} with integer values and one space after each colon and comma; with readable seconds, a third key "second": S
{"hour": 4, "minute": 49}
